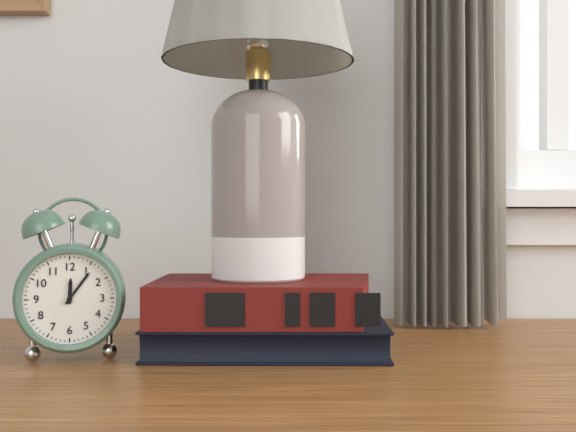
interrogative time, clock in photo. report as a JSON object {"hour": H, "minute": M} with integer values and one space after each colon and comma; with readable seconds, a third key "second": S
{"hour": 12, "minute": 6}
